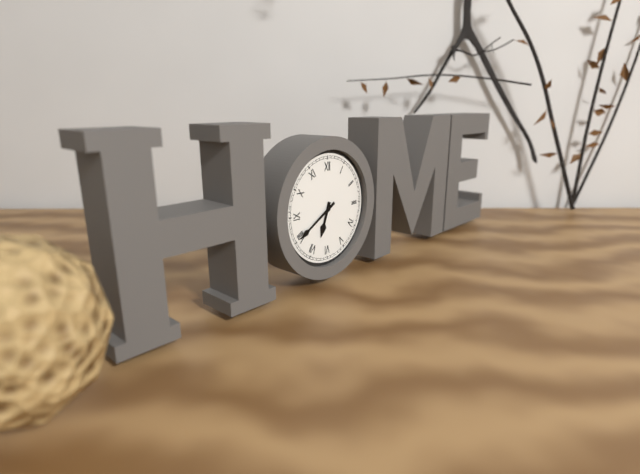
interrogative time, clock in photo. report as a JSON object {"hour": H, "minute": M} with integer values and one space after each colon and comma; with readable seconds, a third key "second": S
{"hour": 6, "minute": 40}
